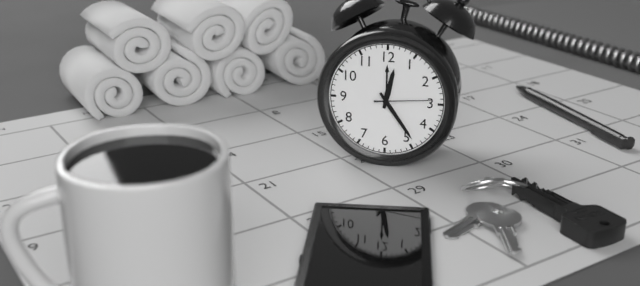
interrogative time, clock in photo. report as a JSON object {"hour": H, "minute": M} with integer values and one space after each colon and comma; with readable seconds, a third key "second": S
{"hour": 12, "minute": 24, "second": 14}
